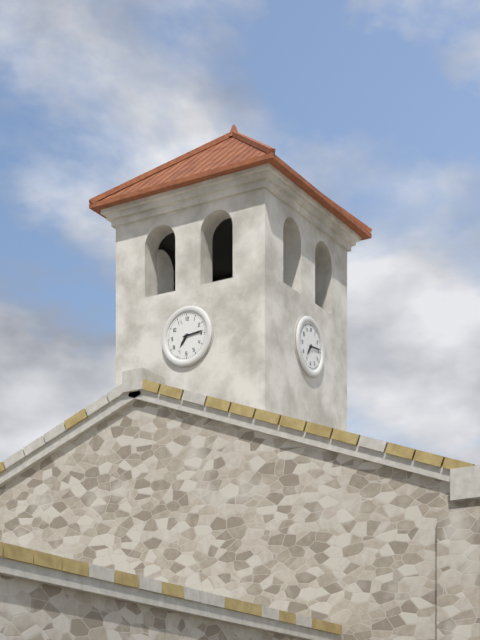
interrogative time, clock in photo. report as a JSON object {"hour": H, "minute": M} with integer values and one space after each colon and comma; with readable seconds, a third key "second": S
{"hour": 7, "minute": 14}
